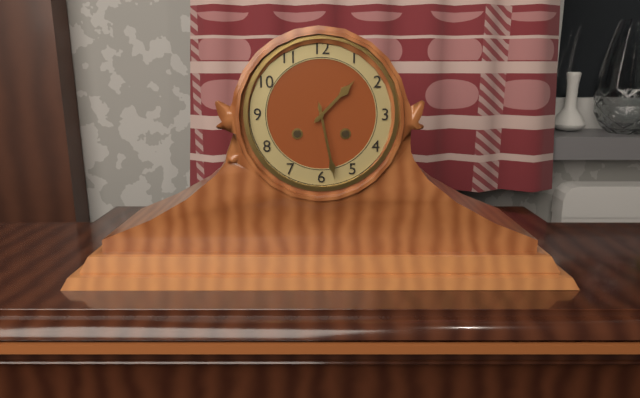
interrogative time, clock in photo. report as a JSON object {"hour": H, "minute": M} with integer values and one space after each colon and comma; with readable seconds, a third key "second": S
{"hour": 1, "minute": 28}
